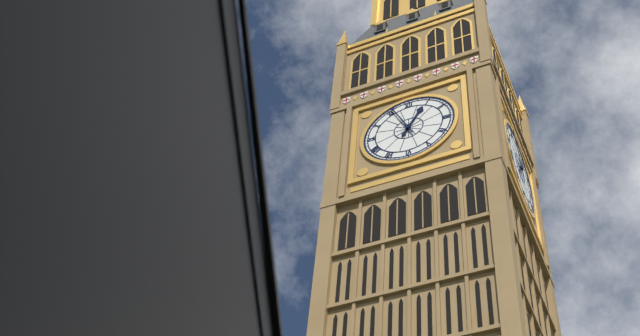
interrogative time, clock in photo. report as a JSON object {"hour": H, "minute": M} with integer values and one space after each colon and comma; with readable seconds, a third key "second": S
{"hour": 12, "minute": 56}
